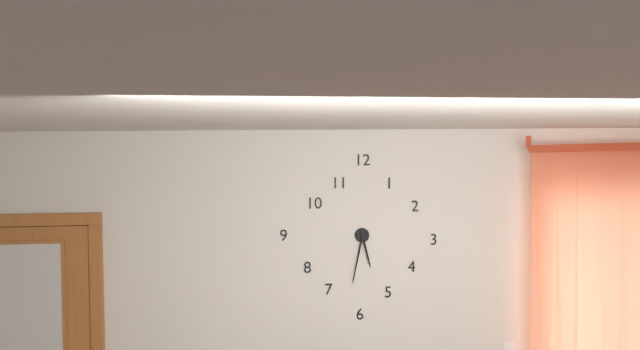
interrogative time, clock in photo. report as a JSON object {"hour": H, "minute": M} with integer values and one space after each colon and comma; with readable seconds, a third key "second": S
{"hour": 5, "minute": 32}
